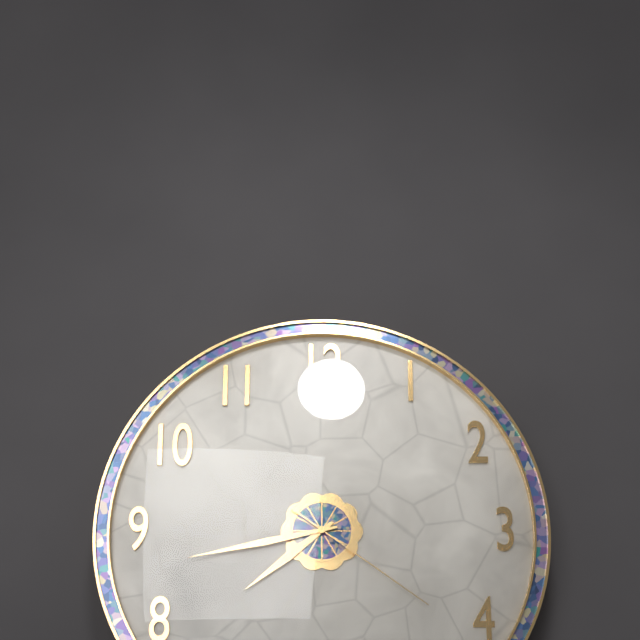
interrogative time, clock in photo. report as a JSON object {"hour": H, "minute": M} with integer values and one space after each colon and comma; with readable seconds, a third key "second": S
{"hour": 7, "minute": 43, "second": 21}
